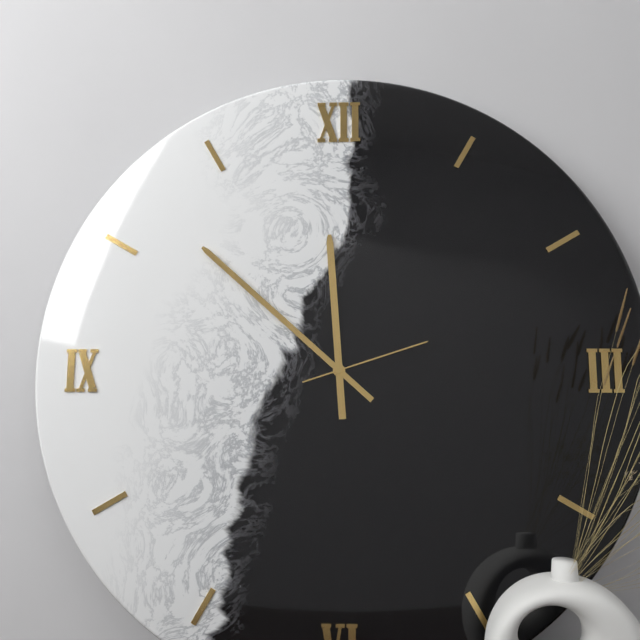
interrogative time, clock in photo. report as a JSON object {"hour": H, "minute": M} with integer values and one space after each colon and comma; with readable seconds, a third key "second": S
{"hour": 11, "minute": 52, "second": 12}
